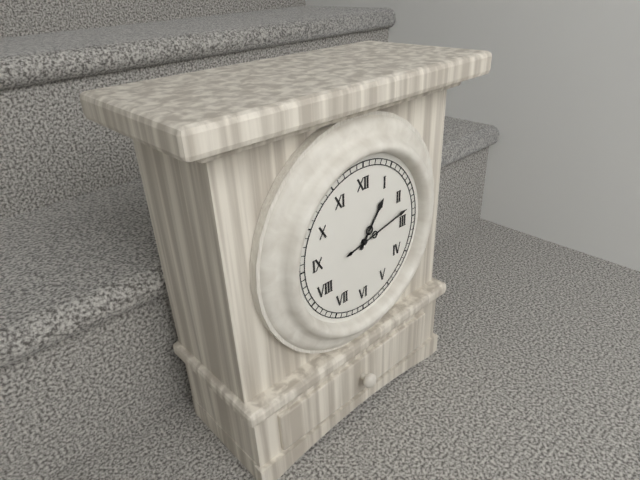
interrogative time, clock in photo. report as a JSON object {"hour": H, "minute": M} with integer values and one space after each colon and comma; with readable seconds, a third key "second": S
{"hour": 1, "minute": 13}
